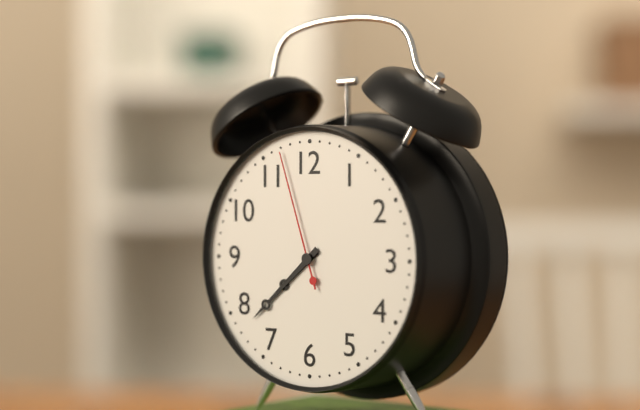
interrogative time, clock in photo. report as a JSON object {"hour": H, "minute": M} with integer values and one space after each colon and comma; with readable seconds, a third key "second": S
{"hour": 7, "minute": 38, "second": 57}
